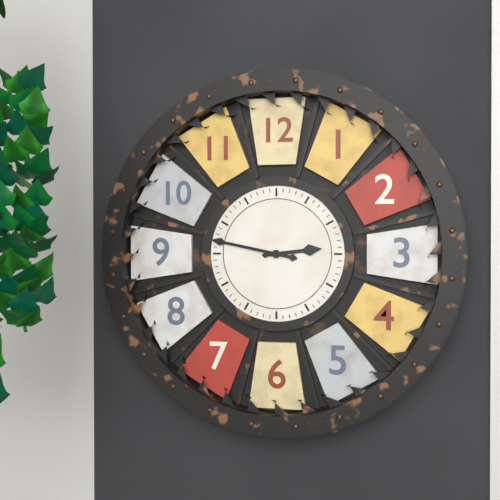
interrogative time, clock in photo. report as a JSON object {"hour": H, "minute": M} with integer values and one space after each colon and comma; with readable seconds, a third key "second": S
{"hour": 2, "minute": 47}
